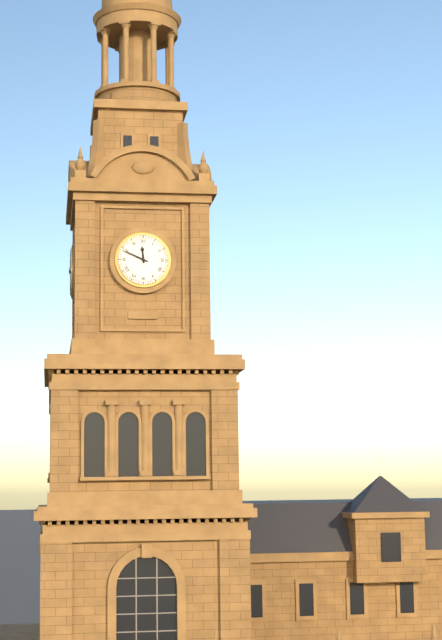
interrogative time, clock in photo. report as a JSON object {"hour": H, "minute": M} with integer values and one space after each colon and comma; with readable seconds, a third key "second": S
{"hour": 11, "minute": 49}
